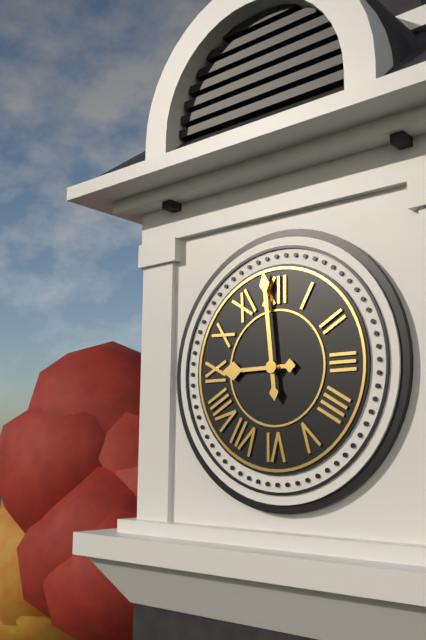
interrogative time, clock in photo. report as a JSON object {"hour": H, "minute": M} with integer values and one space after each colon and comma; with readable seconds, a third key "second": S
{"hour": 8, "minute": 59}
